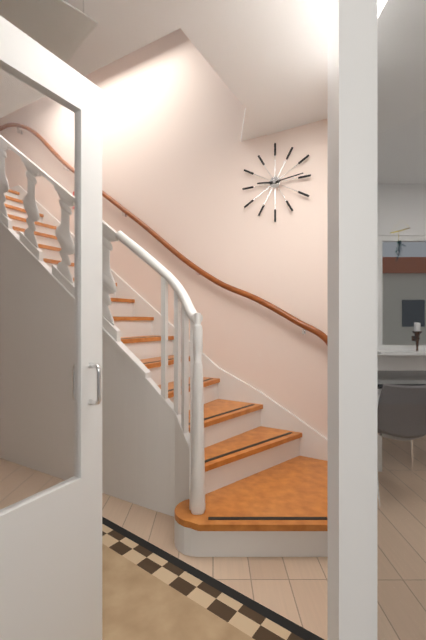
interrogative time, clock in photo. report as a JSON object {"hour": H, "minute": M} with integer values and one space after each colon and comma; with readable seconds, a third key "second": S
{"hour": 9, "minute": 14}
